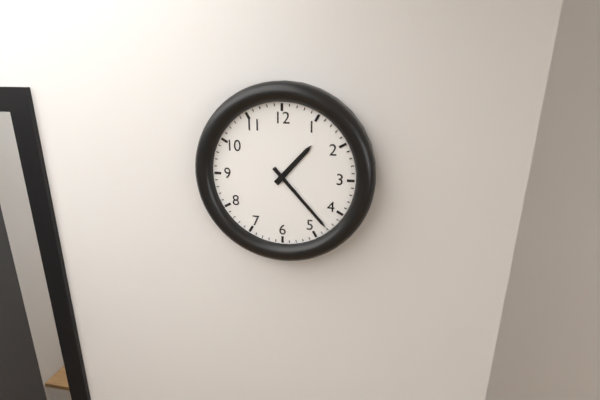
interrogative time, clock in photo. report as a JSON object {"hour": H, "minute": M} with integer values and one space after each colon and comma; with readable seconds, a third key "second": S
{"hour": 1, "minute": 23}
